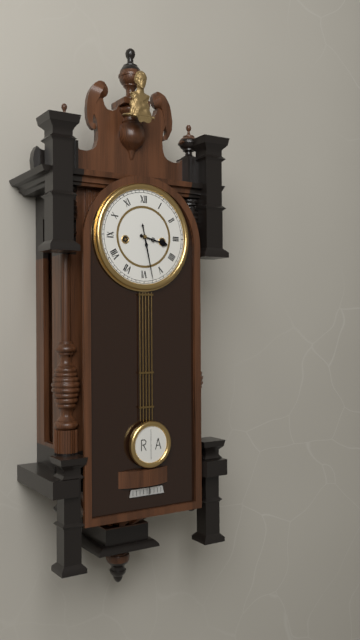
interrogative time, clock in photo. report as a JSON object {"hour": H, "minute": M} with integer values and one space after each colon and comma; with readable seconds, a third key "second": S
{"hour": 3, "minute": 28}
